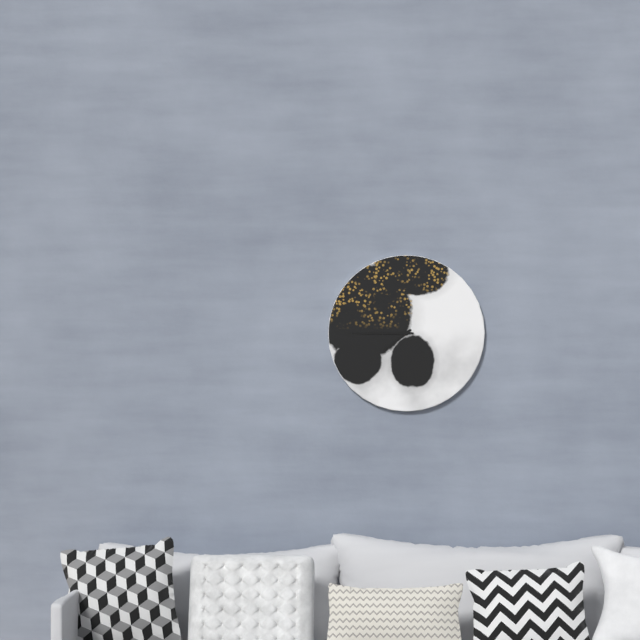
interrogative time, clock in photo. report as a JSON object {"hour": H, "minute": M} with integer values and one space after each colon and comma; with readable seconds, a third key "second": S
{"hour": 7, "minute": 45}
